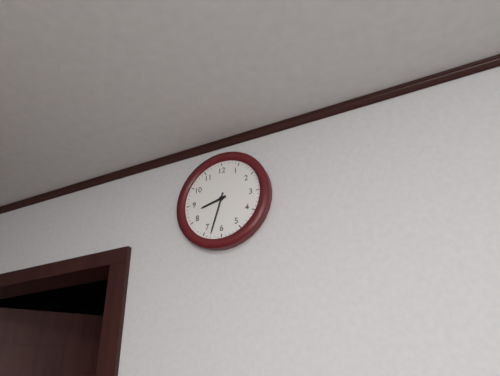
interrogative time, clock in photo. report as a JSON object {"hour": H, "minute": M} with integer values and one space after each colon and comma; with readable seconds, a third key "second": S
{"hour": 8, "minute": 33}
